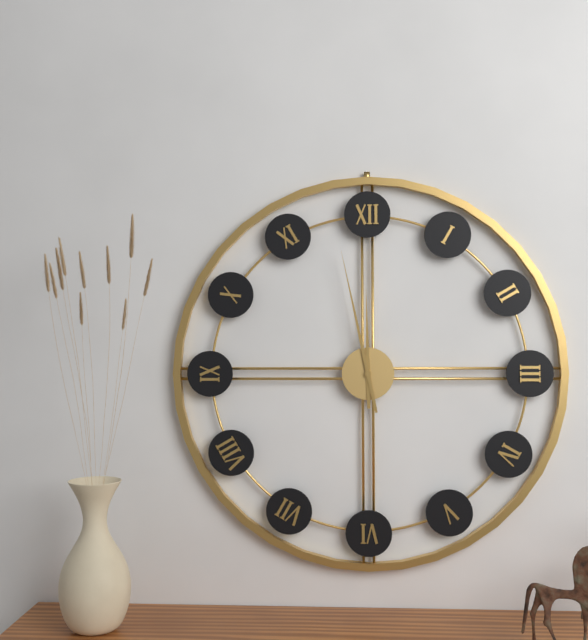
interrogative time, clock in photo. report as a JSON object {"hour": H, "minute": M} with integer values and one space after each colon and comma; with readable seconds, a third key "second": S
{"hour": 11, "minute": 58}
